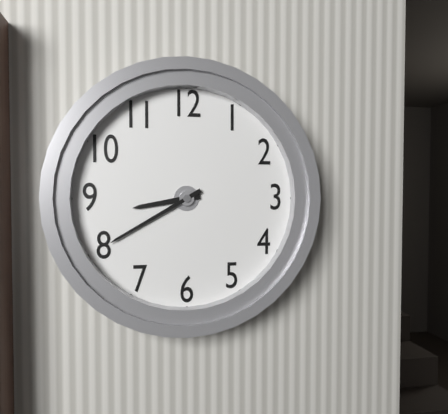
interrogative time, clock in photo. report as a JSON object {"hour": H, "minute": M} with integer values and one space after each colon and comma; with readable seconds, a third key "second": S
{"hour": 8, "minute": 40}
